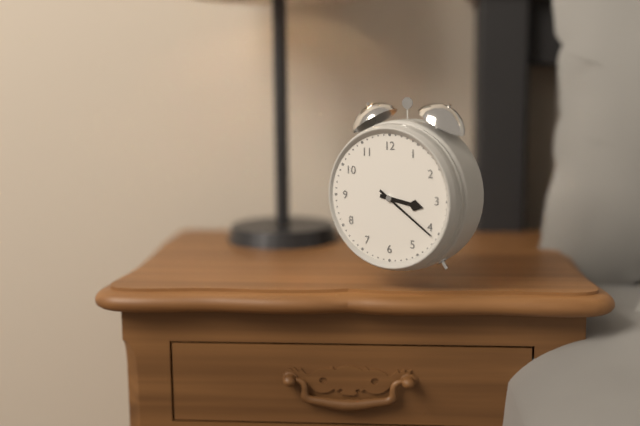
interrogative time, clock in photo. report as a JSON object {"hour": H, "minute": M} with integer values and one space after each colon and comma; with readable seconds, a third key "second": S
{"hour": 3, "minute": 21}
